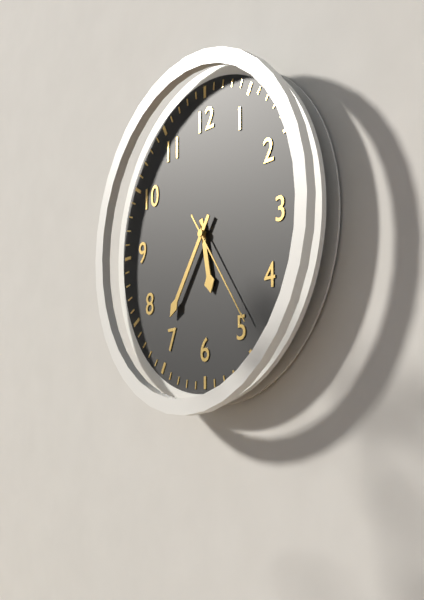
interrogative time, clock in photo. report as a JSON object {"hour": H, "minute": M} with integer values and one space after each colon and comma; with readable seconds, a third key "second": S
{"hour": 5, "minute": 36, "second": 24}
